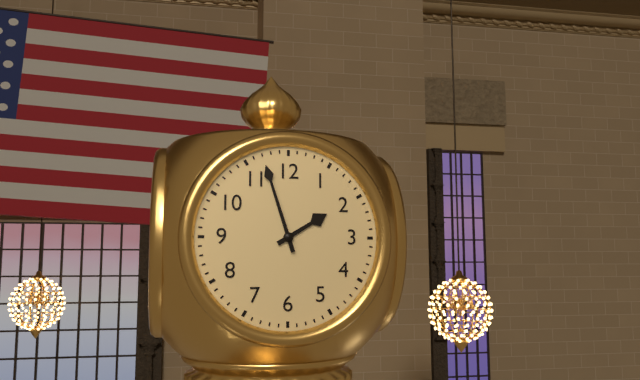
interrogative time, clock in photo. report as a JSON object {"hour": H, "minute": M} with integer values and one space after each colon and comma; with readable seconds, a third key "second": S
{"hour": 1, "minute": 57}
